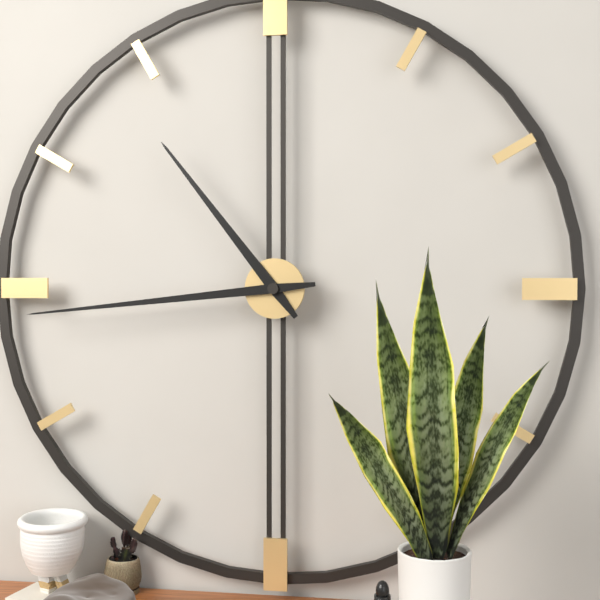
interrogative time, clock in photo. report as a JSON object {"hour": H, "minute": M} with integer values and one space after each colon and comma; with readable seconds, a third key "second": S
{"hour": 10, "minute": 44}
